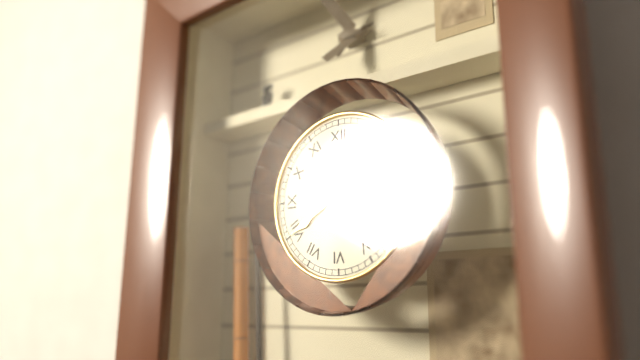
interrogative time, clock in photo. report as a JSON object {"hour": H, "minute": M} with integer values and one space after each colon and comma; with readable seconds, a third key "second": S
{"hour": 12, "minute": 40}
